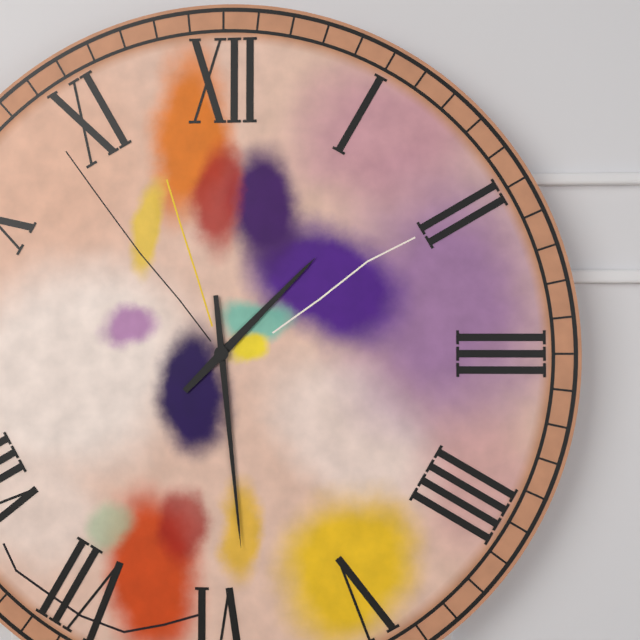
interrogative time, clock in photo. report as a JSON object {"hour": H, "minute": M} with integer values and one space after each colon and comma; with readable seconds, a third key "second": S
{"hour": 1, "minute": 29}
